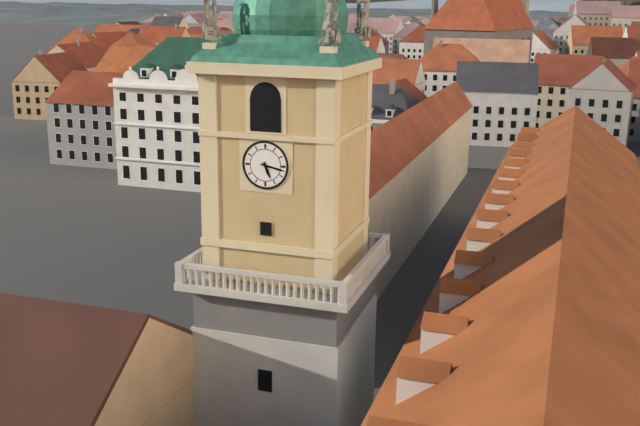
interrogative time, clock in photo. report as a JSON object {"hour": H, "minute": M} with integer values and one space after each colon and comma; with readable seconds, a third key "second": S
{"hour": 5, "minute": 17}
